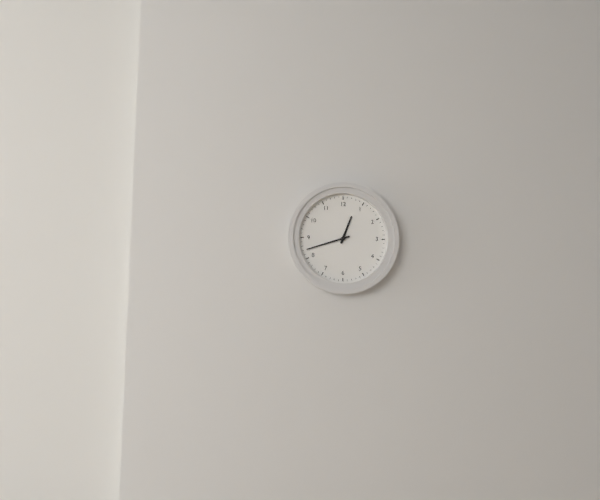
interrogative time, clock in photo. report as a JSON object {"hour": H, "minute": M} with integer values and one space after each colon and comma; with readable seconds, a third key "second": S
{"hour": 12, "minute": 42}
